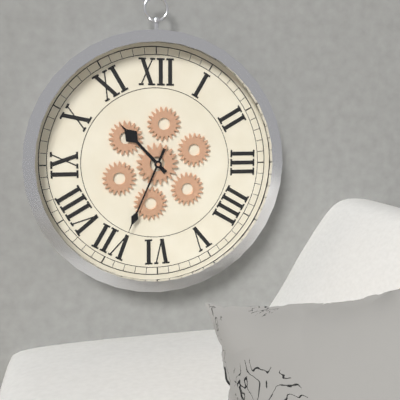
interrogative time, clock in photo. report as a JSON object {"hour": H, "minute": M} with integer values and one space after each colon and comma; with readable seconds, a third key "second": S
{"hour": 10, "minute": 34}
